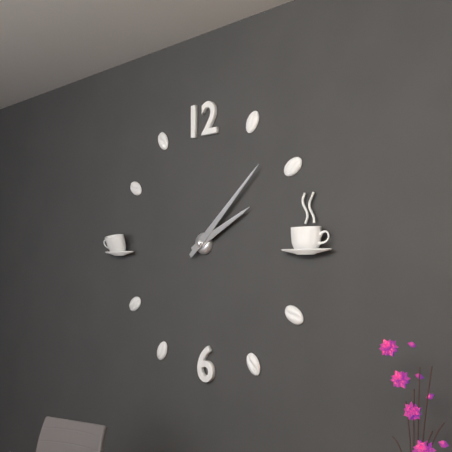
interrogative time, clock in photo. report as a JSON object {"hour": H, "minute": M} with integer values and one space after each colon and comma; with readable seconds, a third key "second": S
{"hour": 2, "minute": 8}
